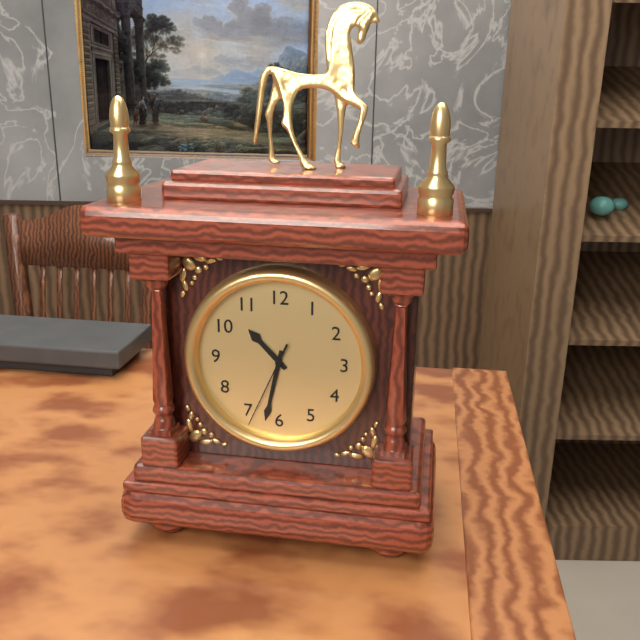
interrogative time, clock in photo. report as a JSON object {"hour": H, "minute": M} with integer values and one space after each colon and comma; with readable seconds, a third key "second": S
{"hour": 10, "minute": 32, "second": 34}
